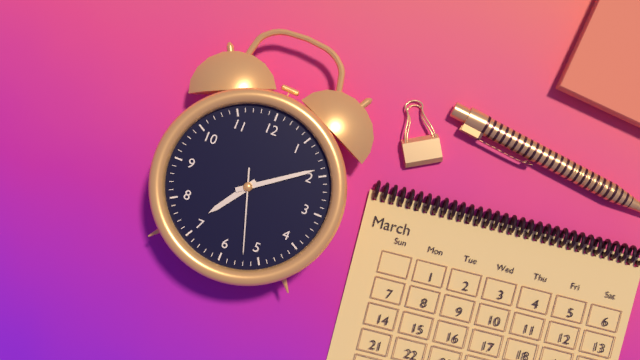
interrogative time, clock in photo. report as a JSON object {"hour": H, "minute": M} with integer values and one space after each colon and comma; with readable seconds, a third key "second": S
{"hour": 7, "minute": 9, "second": 27}
